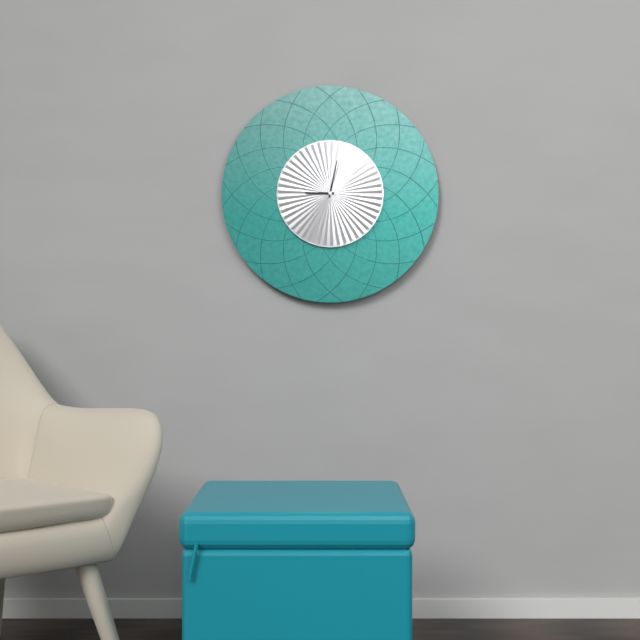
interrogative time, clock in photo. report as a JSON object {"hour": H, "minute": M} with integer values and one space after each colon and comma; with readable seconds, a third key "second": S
{"hour": 9, "minute": 2}
